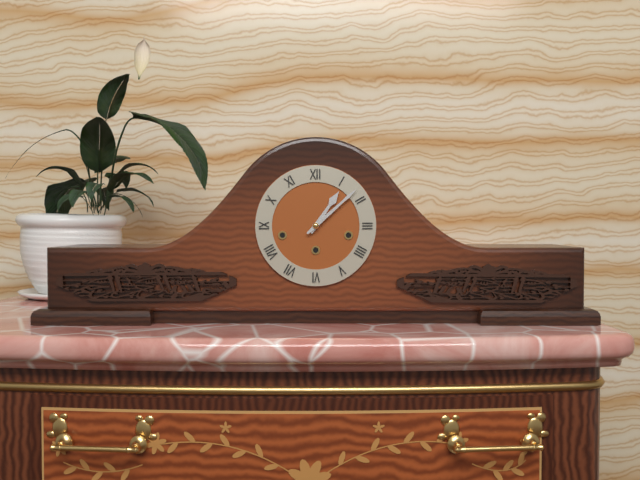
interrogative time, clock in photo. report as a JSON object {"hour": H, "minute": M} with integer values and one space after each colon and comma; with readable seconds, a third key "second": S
{"hour": 1, "minute": 8}
